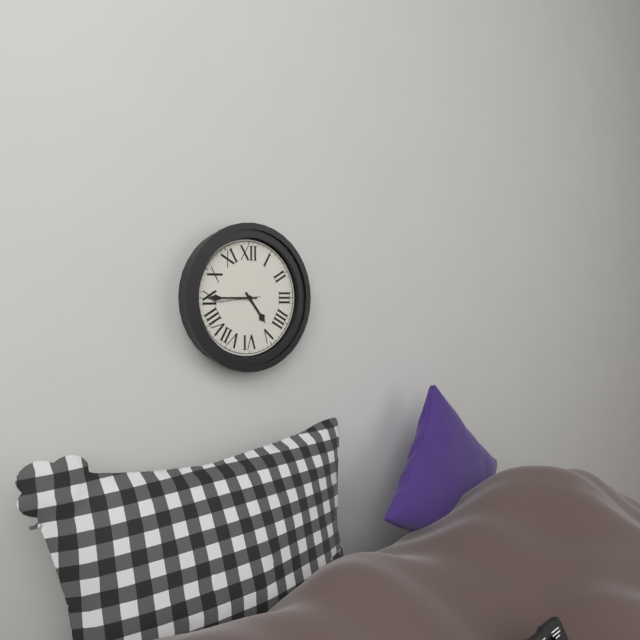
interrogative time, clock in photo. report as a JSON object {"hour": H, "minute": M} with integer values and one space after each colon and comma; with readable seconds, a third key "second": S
{"hour": 4, "minute": 45, "second": 44}
